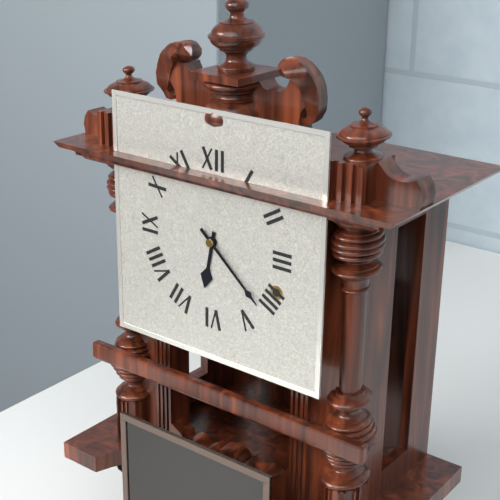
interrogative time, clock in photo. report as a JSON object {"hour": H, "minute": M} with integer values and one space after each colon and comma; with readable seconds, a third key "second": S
{"hour": 6, "minute": 22}
